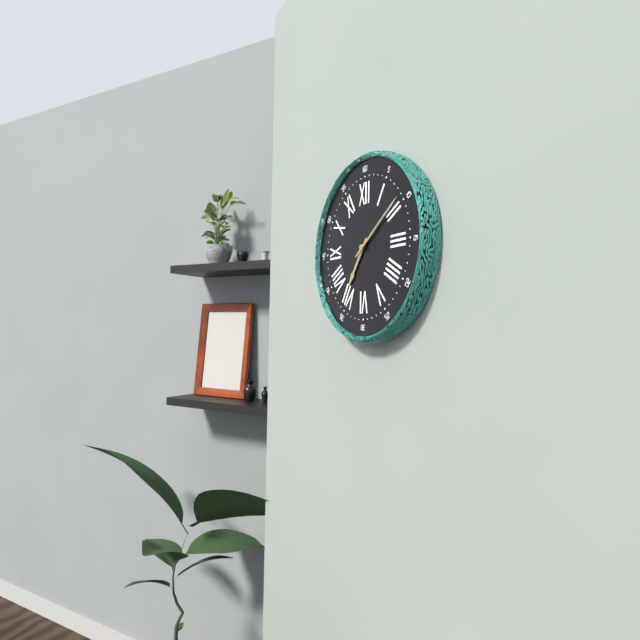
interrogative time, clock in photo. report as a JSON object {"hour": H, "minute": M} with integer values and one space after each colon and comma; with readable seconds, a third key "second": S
{"hour": 7, "minute": 9}
